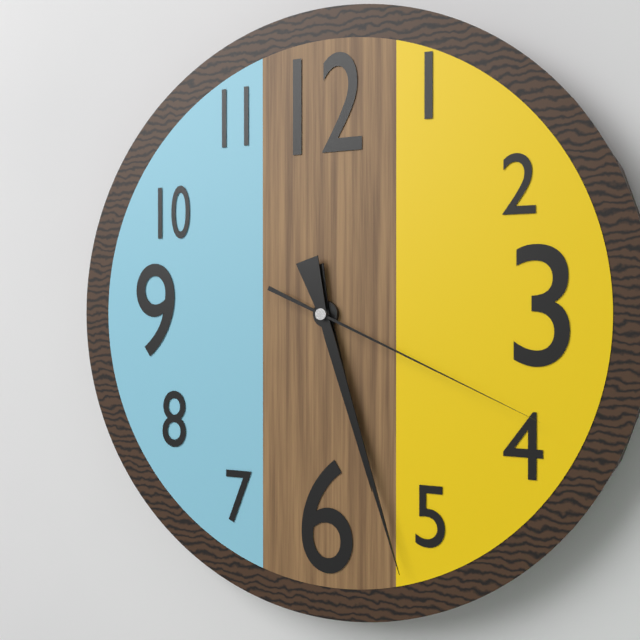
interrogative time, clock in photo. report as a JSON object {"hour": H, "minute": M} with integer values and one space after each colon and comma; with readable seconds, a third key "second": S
{"hour": 5, "minute": 27, "second": 19}
